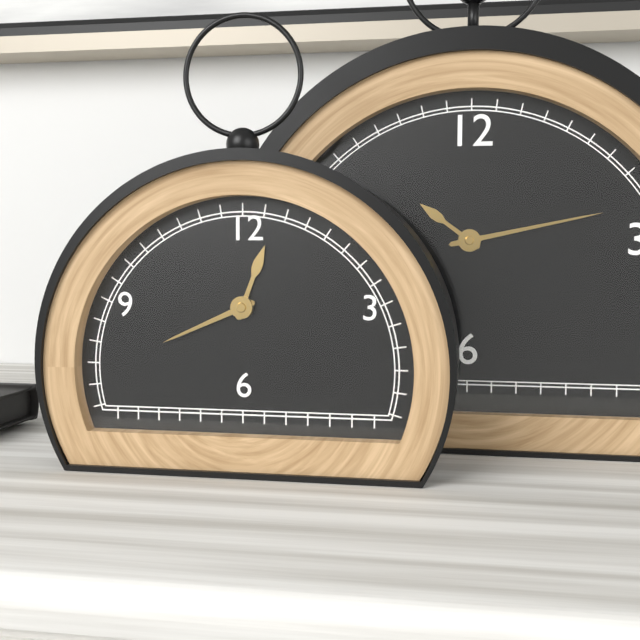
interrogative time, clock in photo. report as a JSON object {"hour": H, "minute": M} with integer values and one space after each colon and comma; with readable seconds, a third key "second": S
{"hour": 12, "minute": 41}
